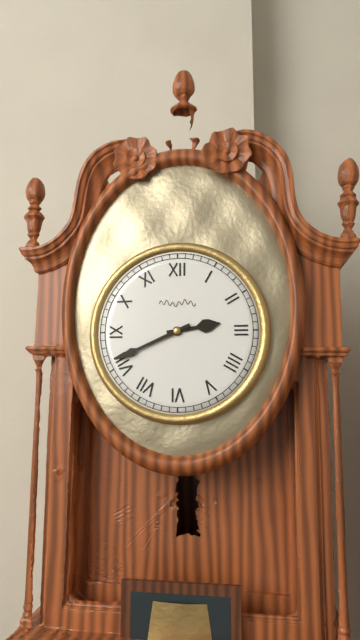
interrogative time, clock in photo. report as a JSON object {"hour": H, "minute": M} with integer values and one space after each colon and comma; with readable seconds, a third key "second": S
{"hour": 2, "minute": 41}
